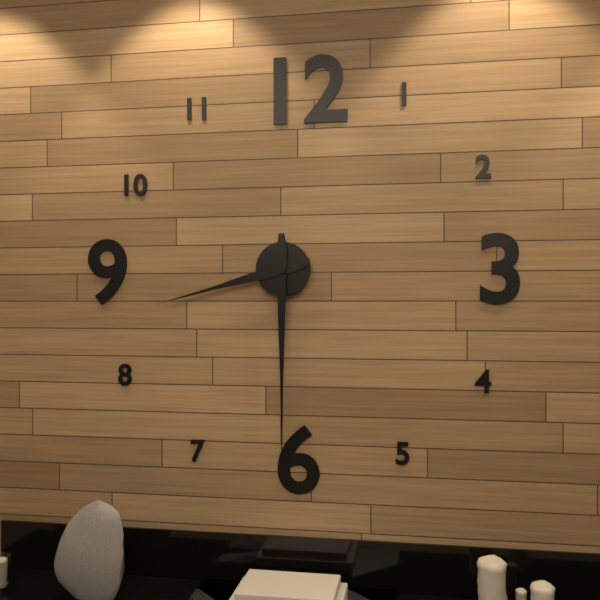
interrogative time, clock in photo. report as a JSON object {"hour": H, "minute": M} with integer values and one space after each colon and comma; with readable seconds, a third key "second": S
{"hour": 8, "minute": 30}
